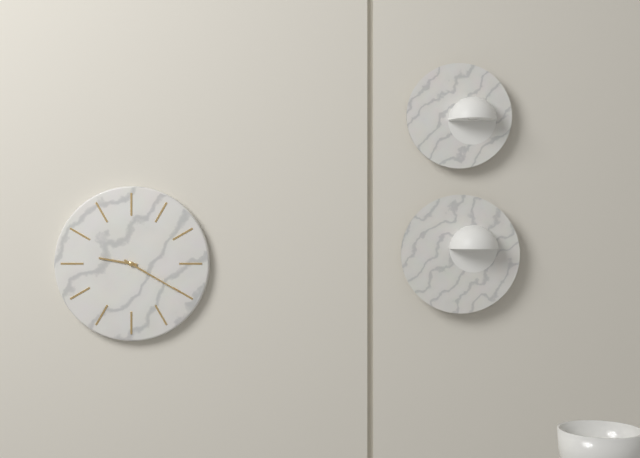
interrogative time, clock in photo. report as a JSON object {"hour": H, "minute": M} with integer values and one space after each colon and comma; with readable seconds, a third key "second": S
{"hour": 9, "minute": 20}
